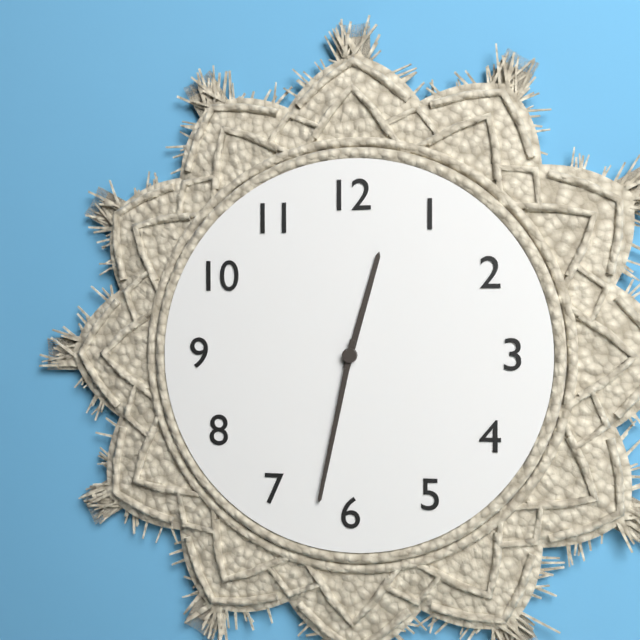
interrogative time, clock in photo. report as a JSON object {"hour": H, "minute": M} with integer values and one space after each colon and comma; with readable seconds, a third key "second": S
{"hour": 12, "minute": 32}
